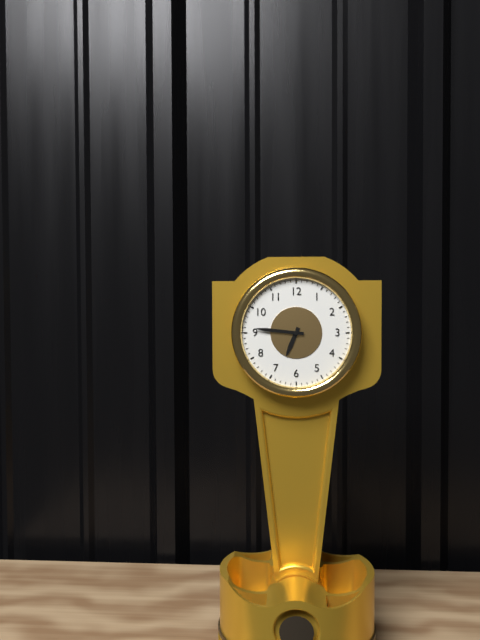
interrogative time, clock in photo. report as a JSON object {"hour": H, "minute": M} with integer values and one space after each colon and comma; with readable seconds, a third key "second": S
{"hour": 6, "minute": 46}
